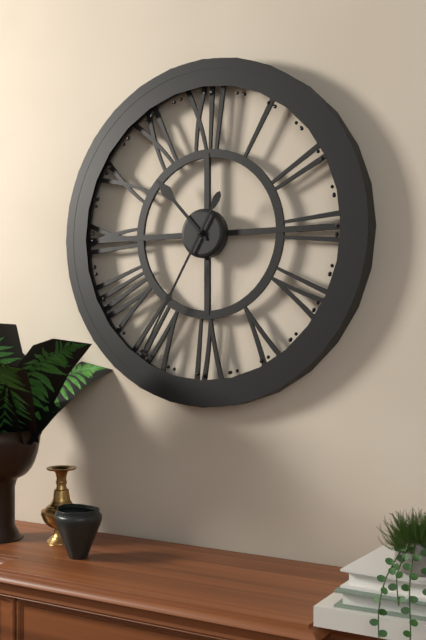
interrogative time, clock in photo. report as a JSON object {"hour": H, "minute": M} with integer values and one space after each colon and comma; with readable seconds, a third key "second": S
{"hour": 10, "minute": 35}
